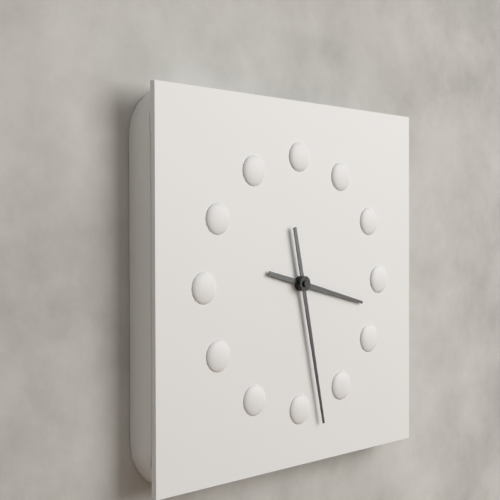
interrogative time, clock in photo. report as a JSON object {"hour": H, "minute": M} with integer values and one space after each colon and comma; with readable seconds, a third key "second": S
{"hour": 3, "minute": 28}
